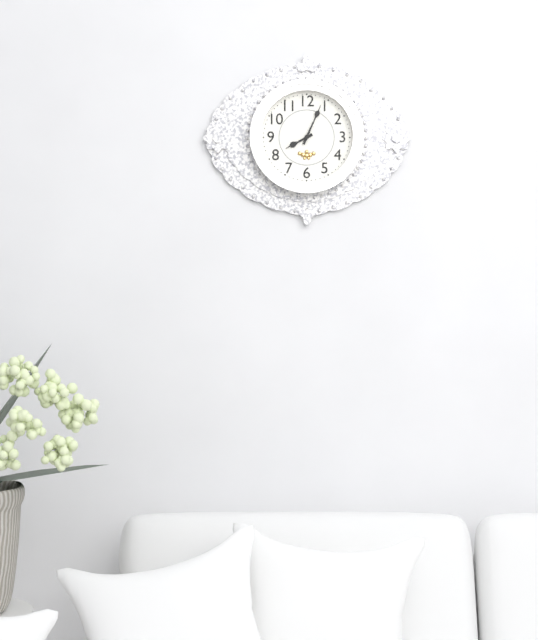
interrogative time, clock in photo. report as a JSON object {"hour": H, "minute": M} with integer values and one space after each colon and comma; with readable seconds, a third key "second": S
{"hour": 8, "minute": 4}
